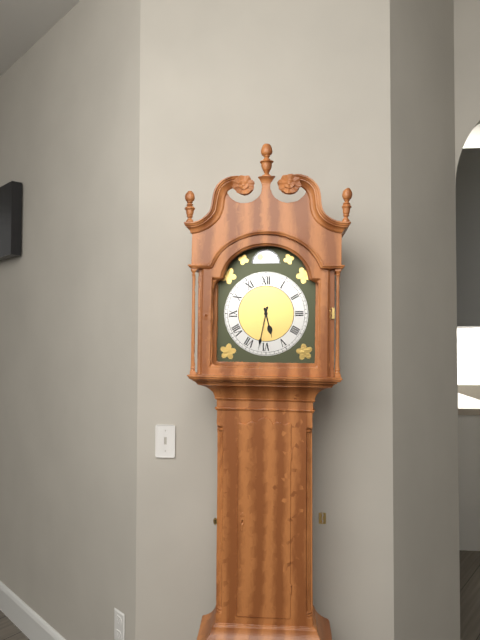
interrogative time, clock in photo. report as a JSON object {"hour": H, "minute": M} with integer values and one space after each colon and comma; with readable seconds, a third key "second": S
{"hour": 5, "minute": 32}
